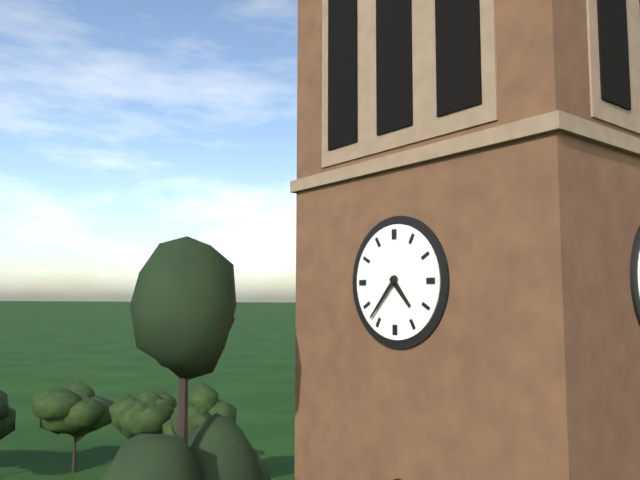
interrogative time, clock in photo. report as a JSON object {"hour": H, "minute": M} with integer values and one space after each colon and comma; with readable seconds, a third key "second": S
{"hour": 4, "minute": 37}
